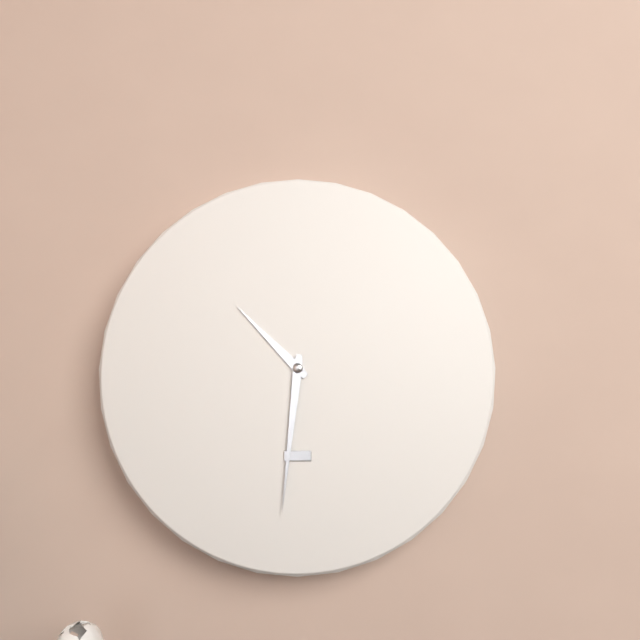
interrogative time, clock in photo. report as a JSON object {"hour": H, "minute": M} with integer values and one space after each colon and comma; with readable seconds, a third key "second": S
{"hour": 10, "minute": 31}
